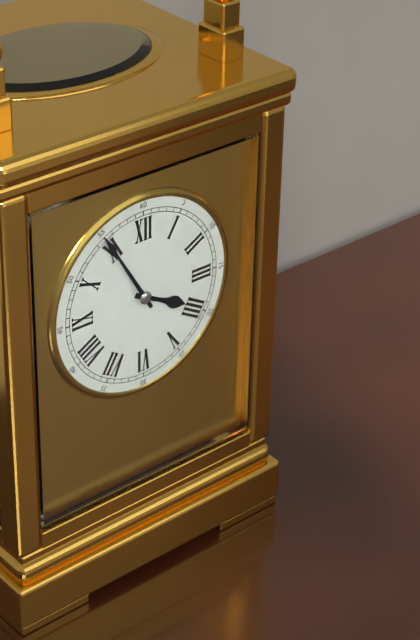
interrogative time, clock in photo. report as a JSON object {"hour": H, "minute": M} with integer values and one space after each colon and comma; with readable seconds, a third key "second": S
{"hour": 3, "minute": 55}
